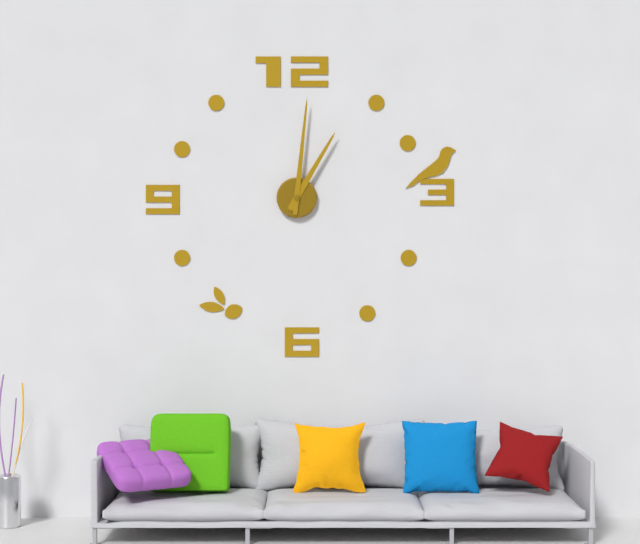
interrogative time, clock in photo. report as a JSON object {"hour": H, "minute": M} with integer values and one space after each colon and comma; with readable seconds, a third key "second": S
{"hour": 1, "minute": 1}
